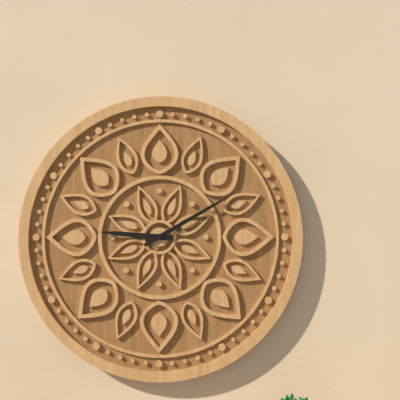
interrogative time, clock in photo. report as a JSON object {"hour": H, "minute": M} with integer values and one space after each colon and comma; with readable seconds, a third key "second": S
{"hour": 9, "minute": 10}
